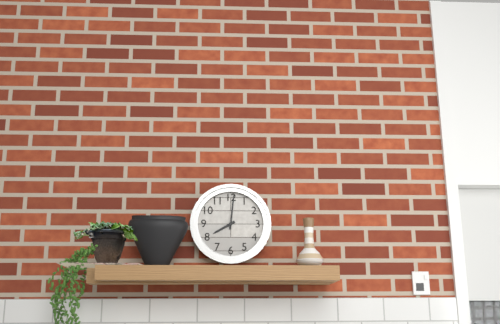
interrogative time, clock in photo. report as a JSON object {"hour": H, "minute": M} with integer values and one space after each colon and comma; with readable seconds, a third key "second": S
{"hour": 8, "minute": 1}
